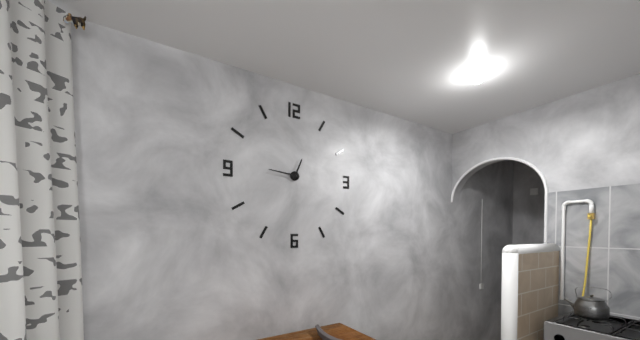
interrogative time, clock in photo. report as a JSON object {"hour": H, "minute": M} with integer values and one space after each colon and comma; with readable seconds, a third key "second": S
{"hour": 12, "minute": 46}
